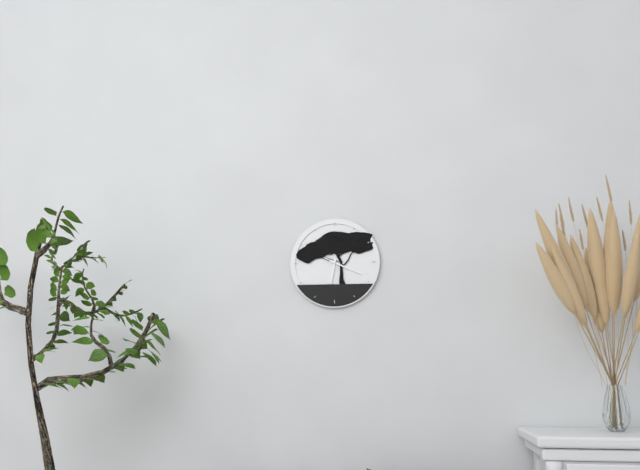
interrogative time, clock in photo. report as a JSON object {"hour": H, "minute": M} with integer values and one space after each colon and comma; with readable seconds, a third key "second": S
{"hour": 6, "minute": 19}
